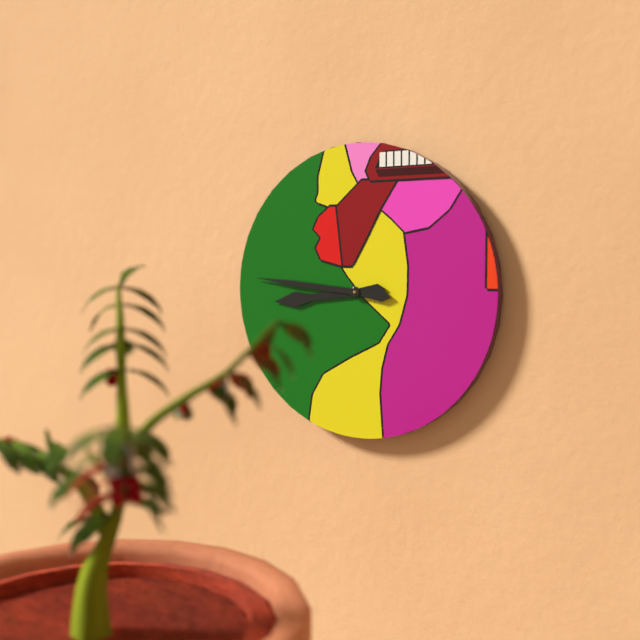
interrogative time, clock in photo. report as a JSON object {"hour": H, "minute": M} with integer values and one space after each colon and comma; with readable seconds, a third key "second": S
{"hour": 8, "minute": 46}
